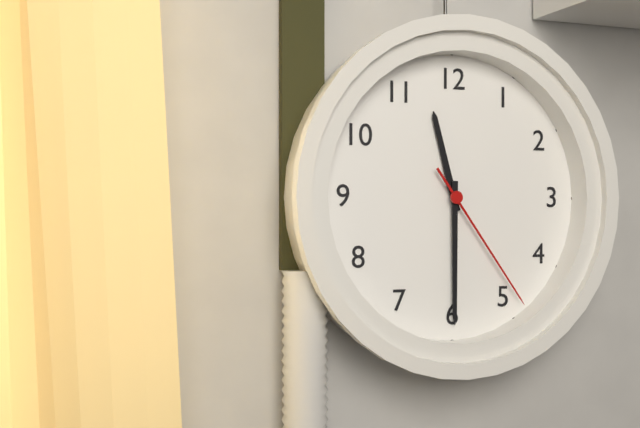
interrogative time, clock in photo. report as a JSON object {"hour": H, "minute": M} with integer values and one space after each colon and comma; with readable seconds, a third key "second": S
{"hour": 11, "minute": 30, "second": 24}
